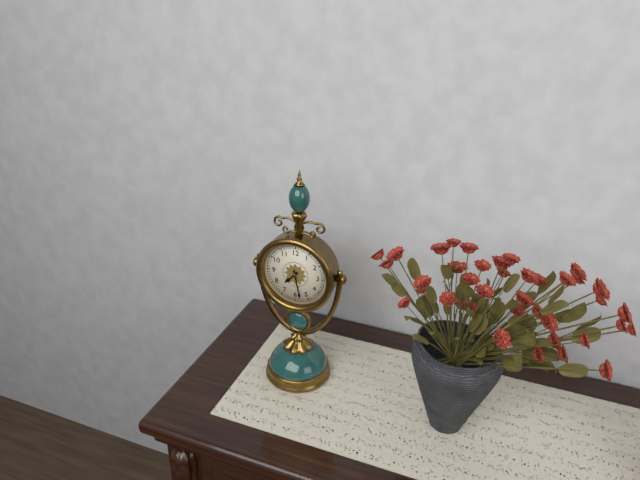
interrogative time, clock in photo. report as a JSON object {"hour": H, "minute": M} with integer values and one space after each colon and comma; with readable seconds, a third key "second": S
{"hour": 7, "minute": 28}
